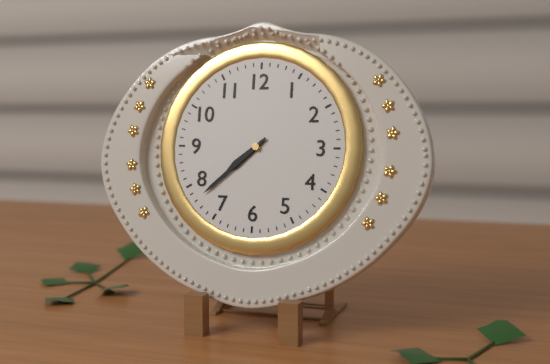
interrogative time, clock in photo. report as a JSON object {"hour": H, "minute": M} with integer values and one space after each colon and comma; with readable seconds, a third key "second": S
{"hour": 7, "minute": 38}
